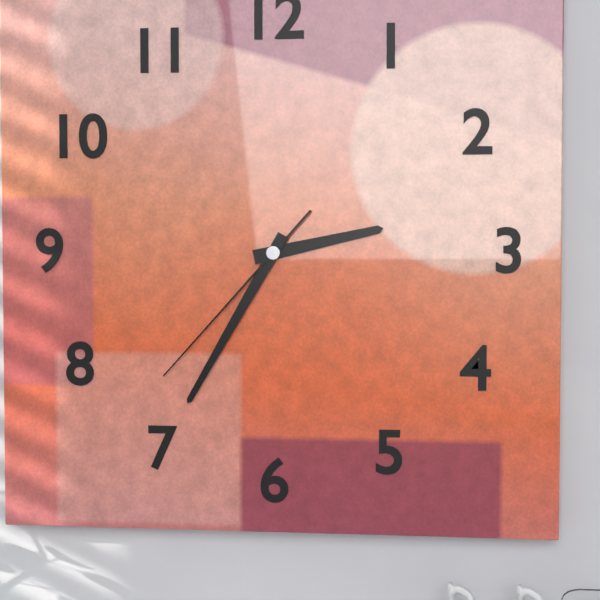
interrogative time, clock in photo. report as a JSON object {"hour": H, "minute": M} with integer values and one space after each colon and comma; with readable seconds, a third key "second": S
{"hour": 2, "minute": 35, "second": 37}
